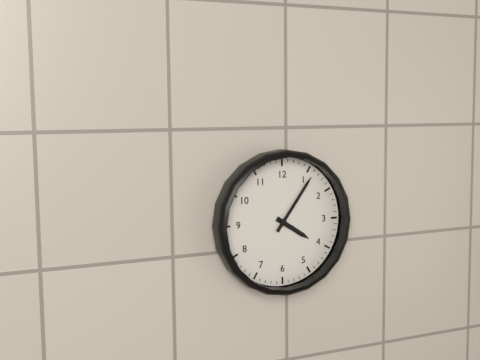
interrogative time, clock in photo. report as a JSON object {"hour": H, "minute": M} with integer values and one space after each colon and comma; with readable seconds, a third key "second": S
{"hour": 4, "minute": 6}
